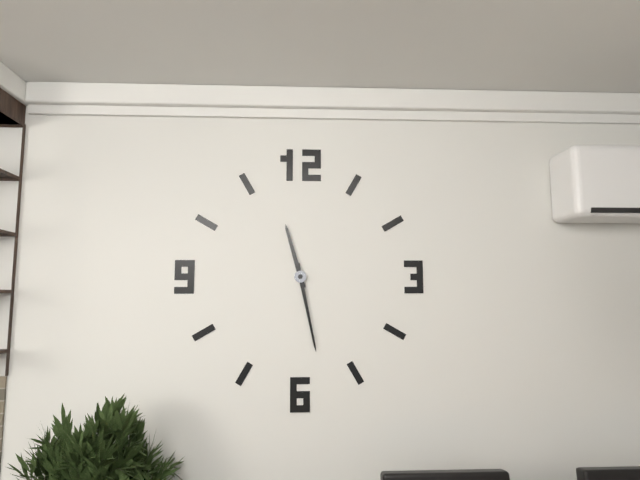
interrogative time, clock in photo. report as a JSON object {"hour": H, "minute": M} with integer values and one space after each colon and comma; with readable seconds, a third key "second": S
{"hour": 11, "minute": 28}
